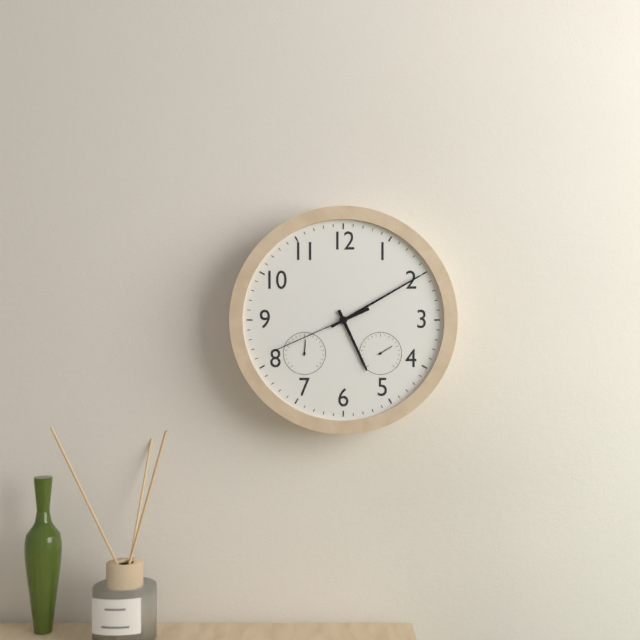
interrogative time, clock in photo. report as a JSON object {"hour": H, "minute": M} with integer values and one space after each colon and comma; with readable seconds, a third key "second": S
{"hour": 5, "minute": 10, "second": 41}
